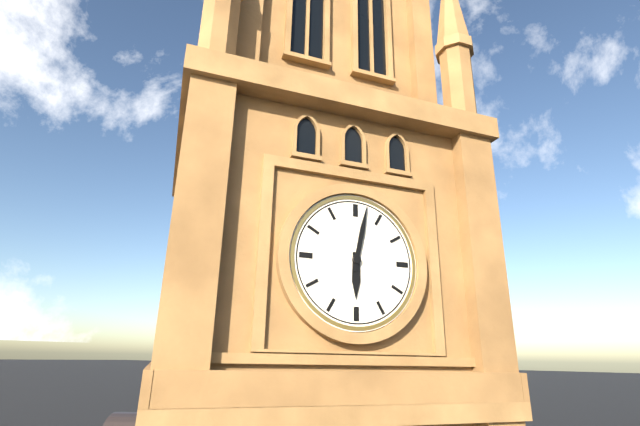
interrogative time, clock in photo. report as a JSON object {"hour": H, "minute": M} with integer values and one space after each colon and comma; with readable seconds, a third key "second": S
{"hour": 6, "minute": 2}
